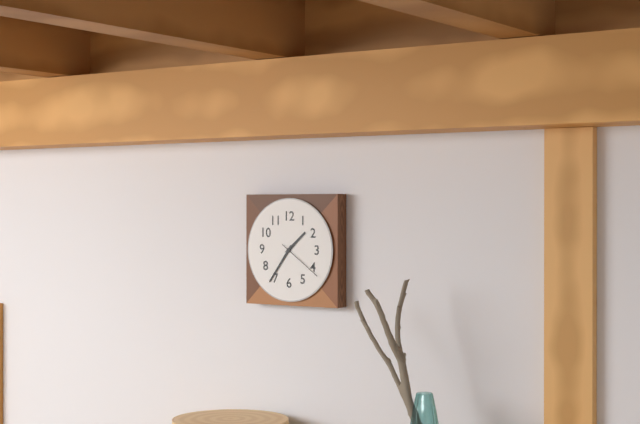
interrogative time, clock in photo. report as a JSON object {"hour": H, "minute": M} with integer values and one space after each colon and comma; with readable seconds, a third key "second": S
{"hour": 1, "minute": 36}
